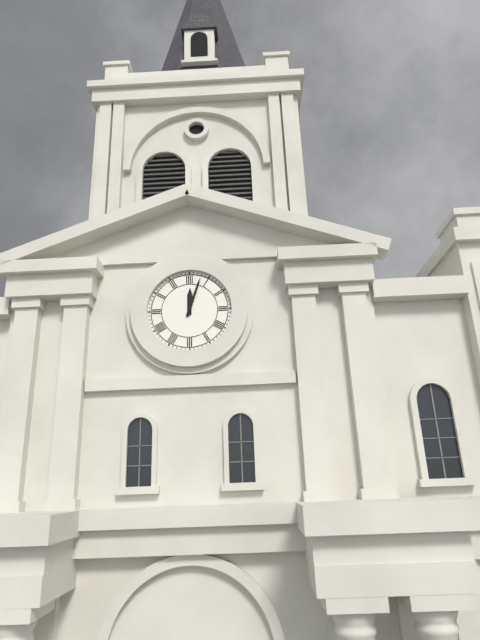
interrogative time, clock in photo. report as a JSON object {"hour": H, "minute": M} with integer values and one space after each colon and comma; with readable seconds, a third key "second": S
{"hour": 12, "minute": 3}
